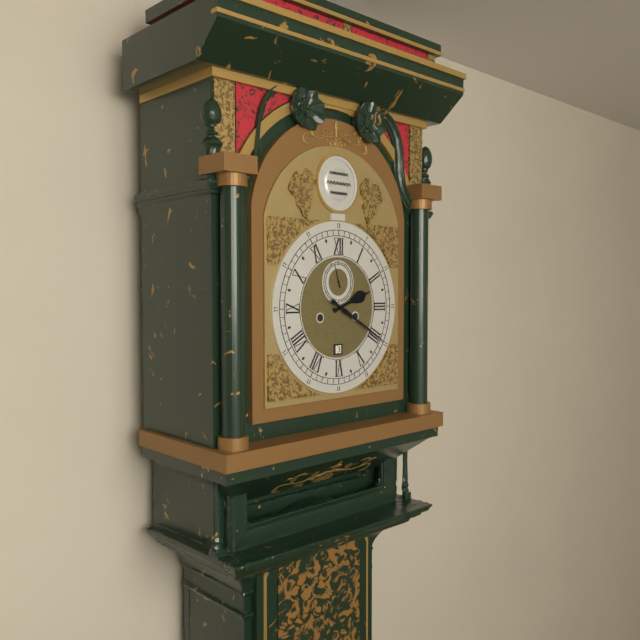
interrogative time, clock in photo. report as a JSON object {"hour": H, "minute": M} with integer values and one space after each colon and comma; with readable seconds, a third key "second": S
{"hour": 2, "minute": 20}
